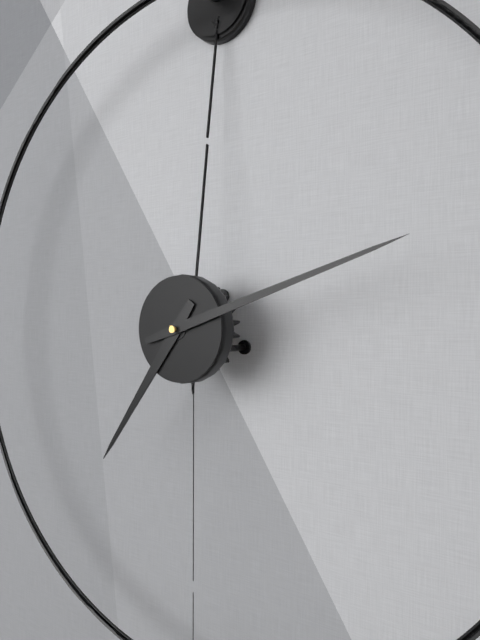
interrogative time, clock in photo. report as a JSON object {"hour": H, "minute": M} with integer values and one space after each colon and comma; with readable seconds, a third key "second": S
{"hour": 7, "minute": 12}
